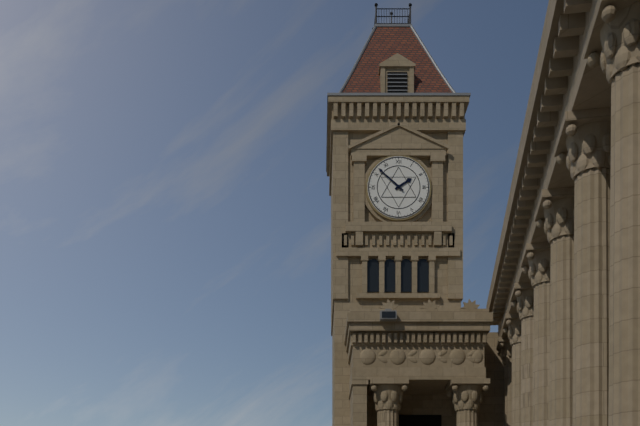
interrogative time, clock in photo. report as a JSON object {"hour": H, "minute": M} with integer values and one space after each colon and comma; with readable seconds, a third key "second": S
{"hour": 1, "minute": 52}
